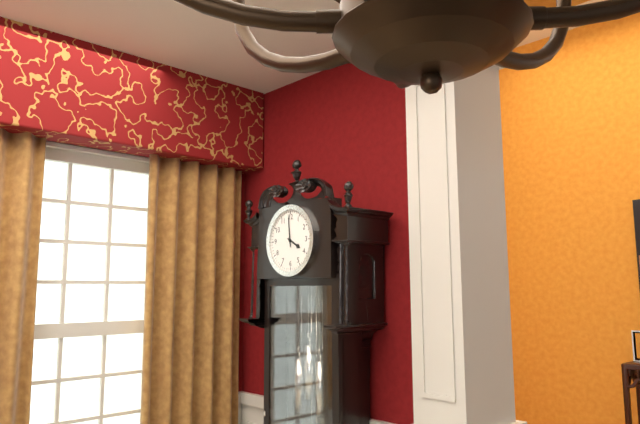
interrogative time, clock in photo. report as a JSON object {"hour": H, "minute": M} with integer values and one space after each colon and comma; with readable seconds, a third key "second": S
{"hour": 3, "minute": 59}
